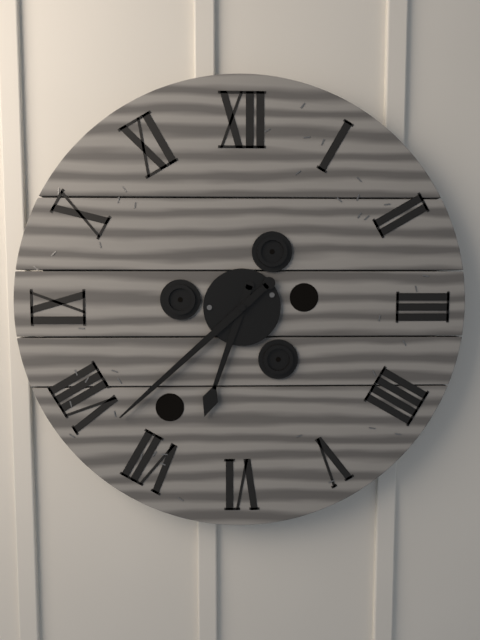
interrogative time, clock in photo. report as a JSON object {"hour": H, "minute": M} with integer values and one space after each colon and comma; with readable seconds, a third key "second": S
{"hour": 6, "minute": 38}
